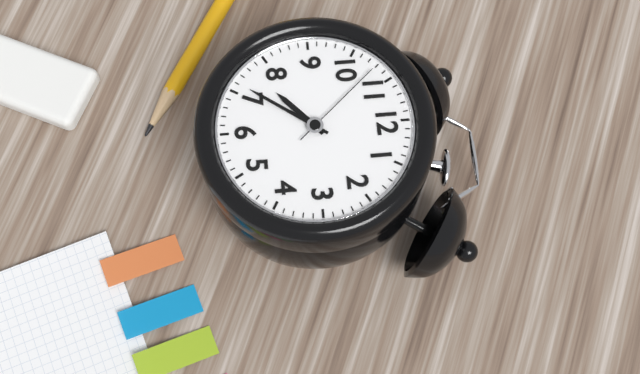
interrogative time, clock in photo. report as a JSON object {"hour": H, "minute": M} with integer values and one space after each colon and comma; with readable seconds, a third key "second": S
{"hour": 7, "minute": 36, "second": 53}
